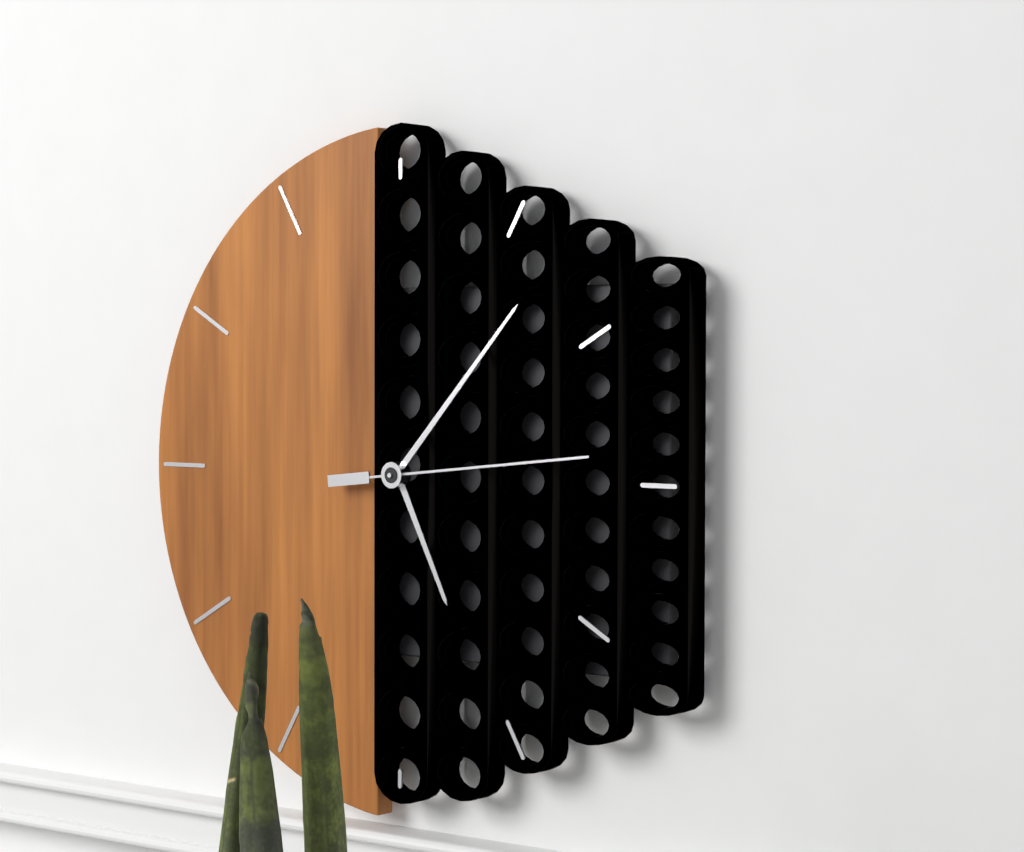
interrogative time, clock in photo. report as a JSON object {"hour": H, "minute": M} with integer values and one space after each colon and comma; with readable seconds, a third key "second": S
{"hour": 5, "minute": 7, "second": 14}
